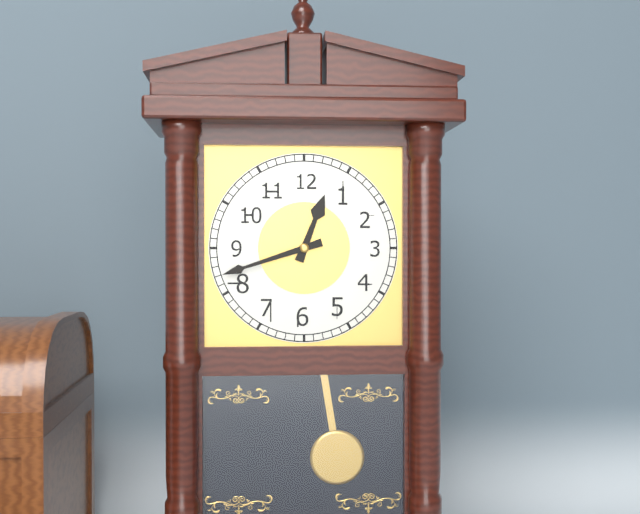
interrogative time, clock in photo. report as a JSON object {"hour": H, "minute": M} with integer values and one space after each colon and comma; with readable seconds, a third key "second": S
{"hour": 12, "minute": 42}
